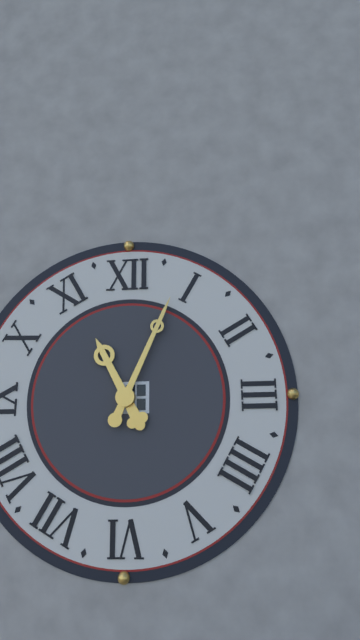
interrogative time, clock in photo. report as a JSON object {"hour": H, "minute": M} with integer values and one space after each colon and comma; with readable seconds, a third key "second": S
{"hour": 11, "minute": 4}
